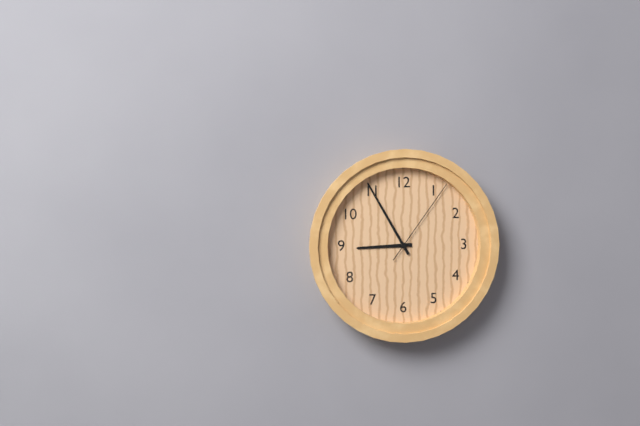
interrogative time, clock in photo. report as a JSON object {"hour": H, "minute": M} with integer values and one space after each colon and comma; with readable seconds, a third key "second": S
{"hour": 8, "minute": 55, "second": 6}
